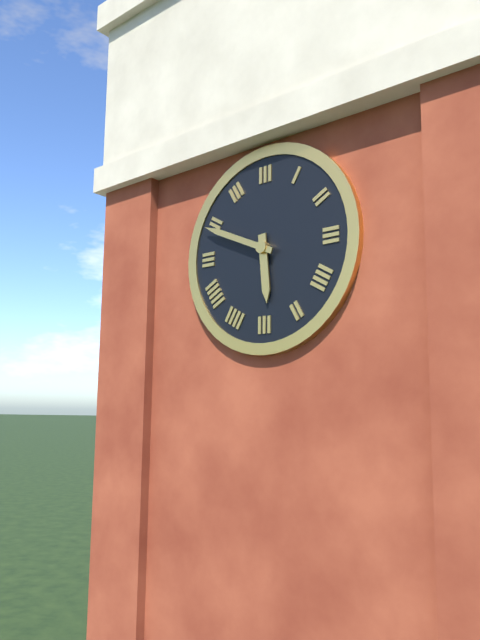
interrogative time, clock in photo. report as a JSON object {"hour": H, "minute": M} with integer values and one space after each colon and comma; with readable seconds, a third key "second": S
{"hour": 5, "minute": 49}
